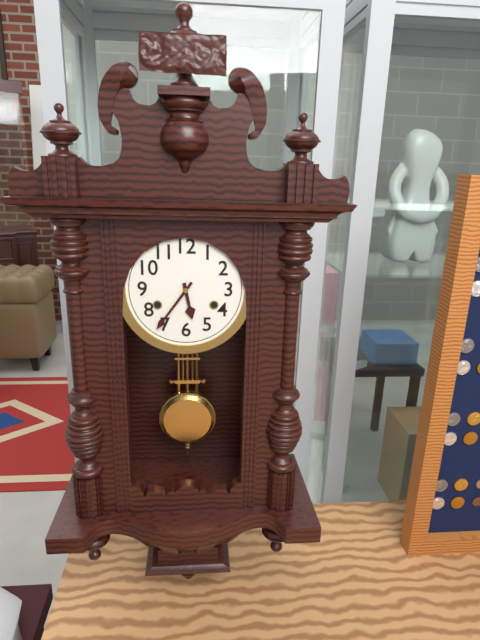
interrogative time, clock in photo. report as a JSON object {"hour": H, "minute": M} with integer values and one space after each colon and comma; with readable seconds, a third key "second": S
{"hour": 5, "minute": 36}
